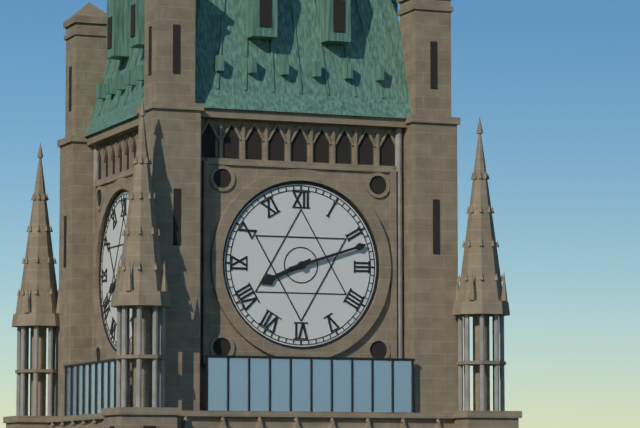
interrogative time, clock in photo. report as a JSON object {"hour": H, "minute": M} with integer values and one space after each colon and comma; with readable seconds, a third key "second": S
{"hour": 8, "minute": 12}
